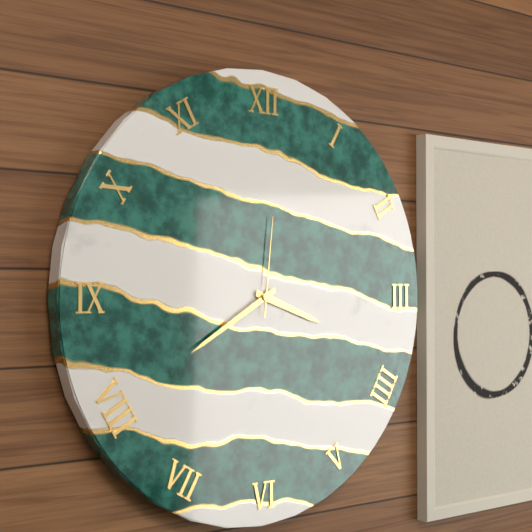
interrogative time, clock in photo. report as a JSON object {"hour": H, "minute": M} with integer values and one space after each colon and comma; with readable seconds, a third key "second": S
{"hour": 3, "minute": 40, "second": 1}
